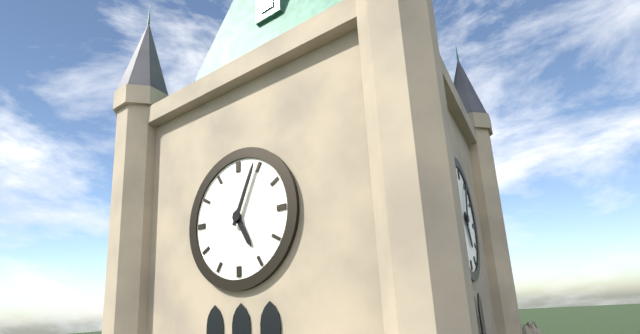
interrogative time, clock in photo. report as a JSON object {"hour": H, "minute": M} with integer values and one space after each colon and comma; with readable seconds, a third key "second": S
{"hour": 5, "minute": 4}
